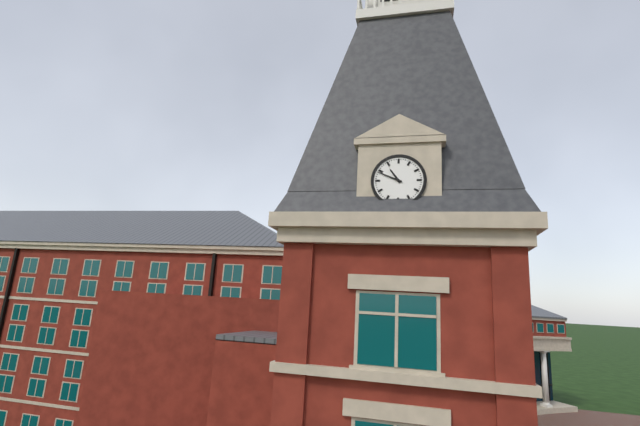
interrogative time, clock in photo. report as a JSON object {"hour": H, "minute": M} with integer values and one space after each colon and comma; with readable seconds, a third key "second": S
{"hour": 10, "minute": 49}
